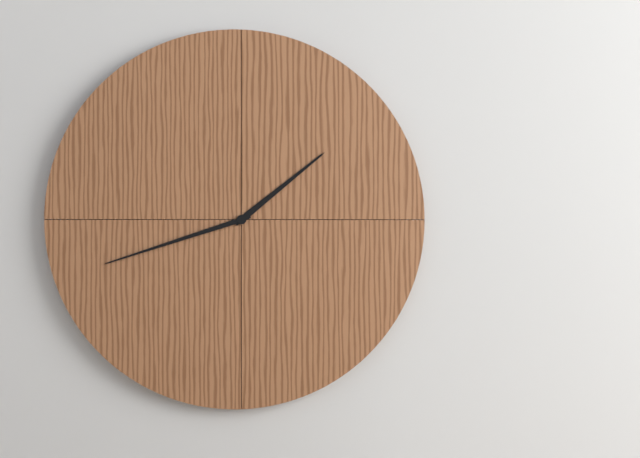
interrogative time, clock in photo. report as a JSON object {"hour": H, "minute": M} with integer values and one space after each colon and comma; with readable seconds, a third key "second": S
{"hour": 1, "minute": 42}
